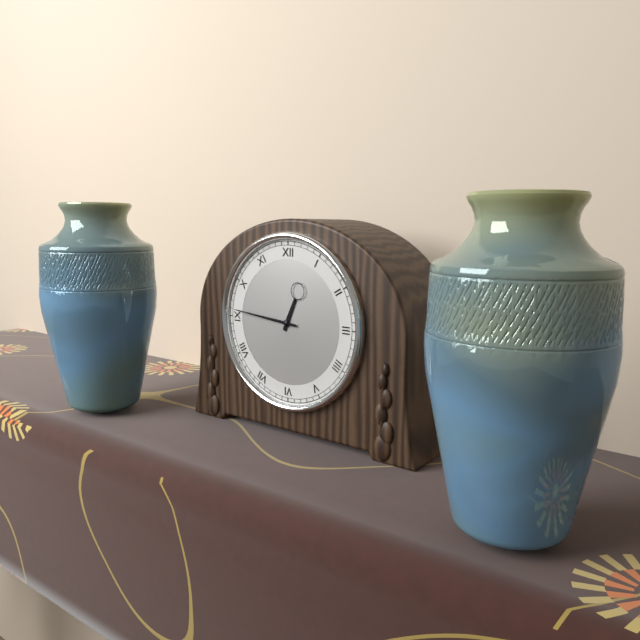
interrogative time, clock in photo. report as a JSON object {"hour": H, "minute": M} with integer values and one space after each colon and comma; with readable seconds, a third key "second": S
{"hour": 12, "minute": 46}
